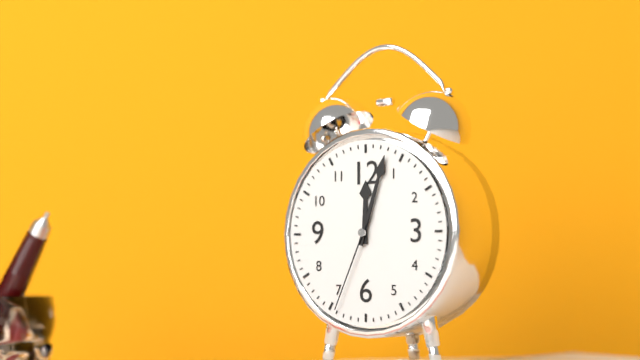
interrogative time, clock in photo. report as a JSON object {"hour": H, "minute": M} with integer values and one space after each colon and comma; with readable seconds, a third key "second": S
{"hour": 12, "minute": 3, "second": 34}
